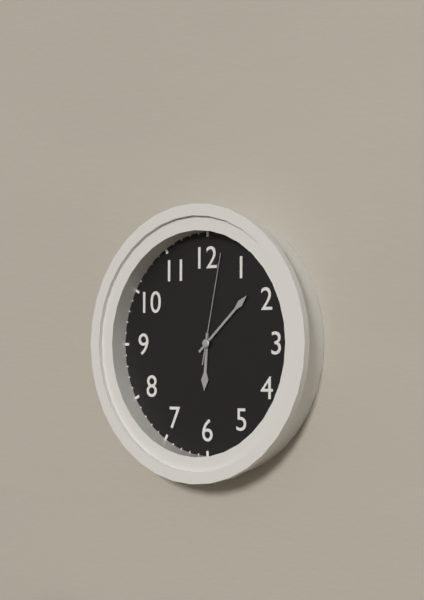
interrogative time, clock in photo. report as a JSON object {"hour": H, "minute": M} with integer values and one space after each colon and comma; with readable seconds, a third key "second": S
{"hour": 6, "minute": 8, "second": 2}
